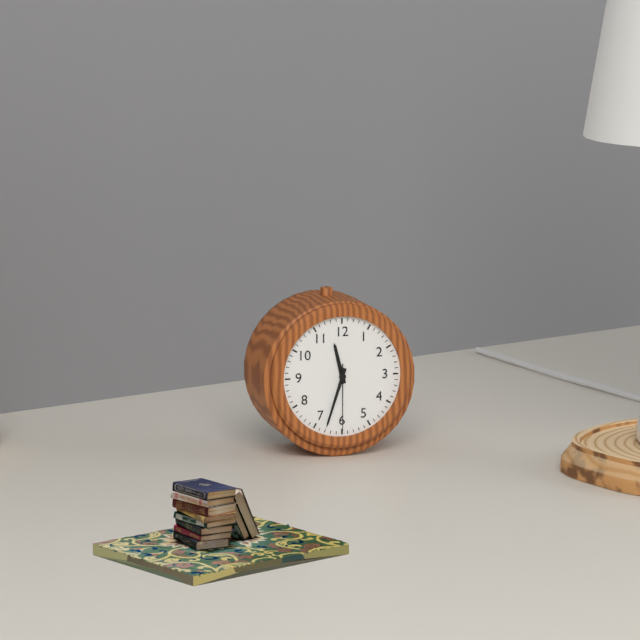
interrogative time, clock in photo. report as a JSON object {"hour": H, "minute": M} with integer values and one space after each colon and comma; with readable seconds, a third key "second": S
{"hour": 11, "minute": 33, "second": 30}
